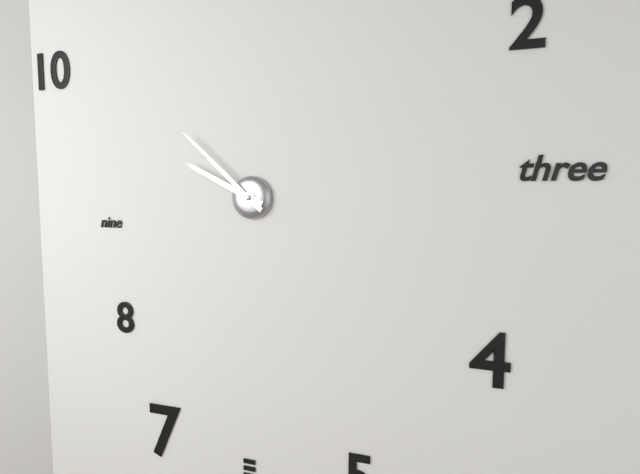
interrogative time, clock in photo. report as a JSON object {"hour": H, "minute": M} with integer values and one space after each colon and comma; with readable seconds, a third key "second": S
{"hour": 9, "minute": 52}
